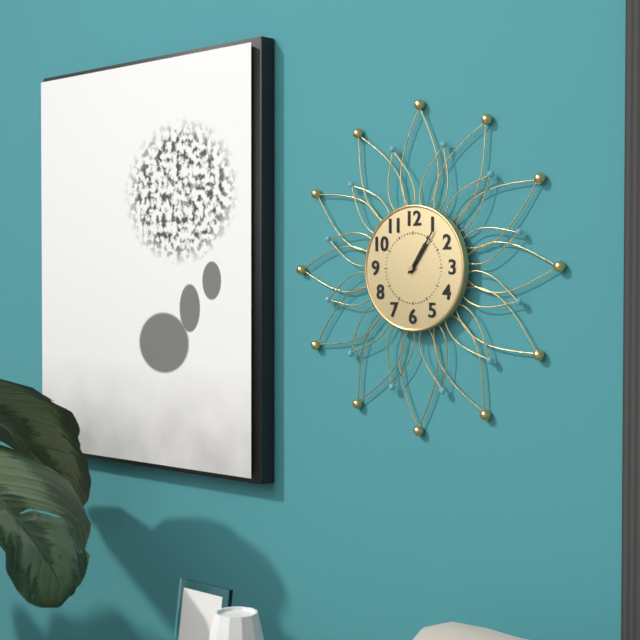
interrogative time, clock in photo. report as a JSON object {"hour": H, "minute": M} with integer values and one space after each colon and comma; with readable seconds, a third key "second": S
{"hour": 1, "minute": 6}
